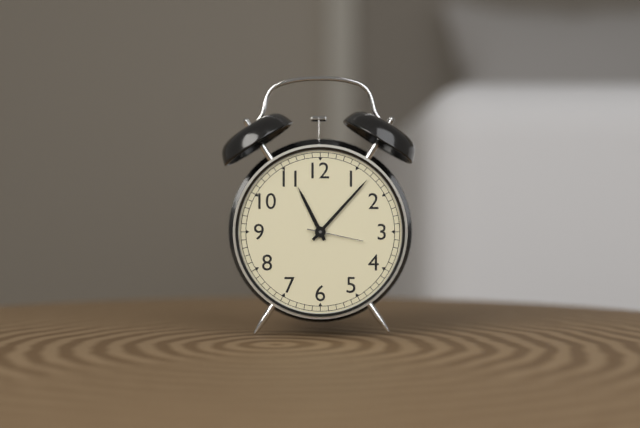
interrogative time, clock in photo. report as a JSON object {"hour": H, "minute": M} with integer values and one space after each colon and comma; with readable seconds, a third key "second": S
{"hour": 11, "minute": 7, "second": 17}
